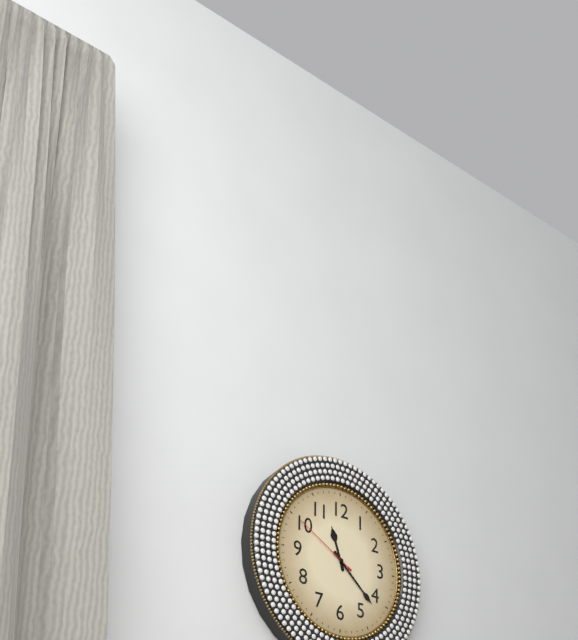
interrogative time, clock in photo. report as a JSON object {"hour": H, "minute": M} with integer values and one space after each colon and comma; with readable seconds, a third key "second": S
{"hour": 11, "minute": 22, "second": 50}
